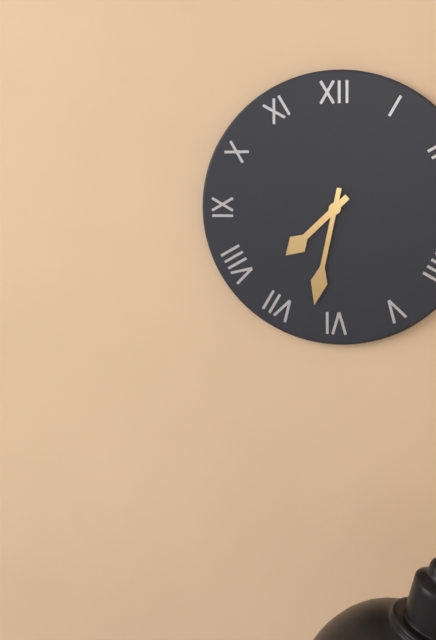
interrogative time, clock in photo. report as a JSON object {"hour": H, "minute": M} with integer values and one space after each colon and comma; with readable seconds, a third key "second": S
{"hour": 7, "minute": 32}
